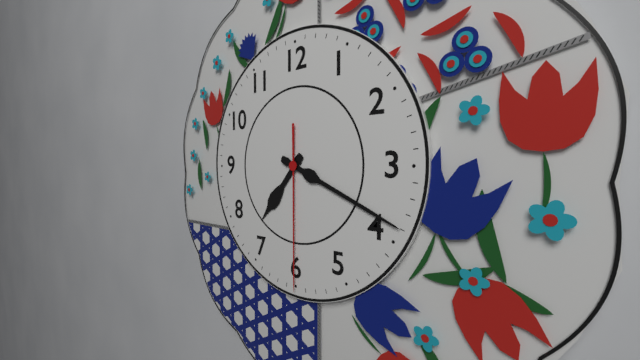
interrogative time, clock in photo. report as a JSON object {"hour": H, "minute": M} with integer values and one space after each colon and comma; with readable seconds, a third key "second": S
{"hour": 7, "minute": 19, "second": 30}
